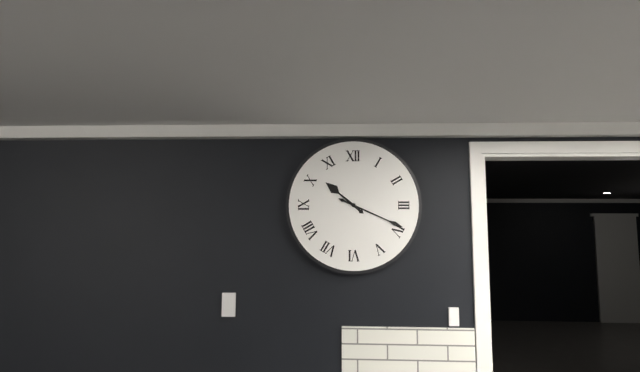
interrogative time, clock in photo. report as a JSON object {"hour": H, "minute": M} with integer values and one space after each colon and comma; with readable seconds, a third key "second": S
{"hour": 10, "minute": 19}
